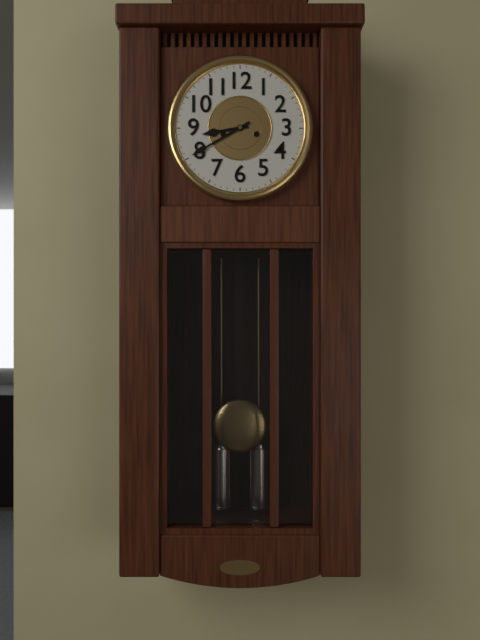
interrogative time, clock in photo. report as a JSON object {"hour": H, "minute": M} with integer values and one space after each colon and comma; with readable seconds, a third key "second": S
{"hour": 8, "minute": 40}
